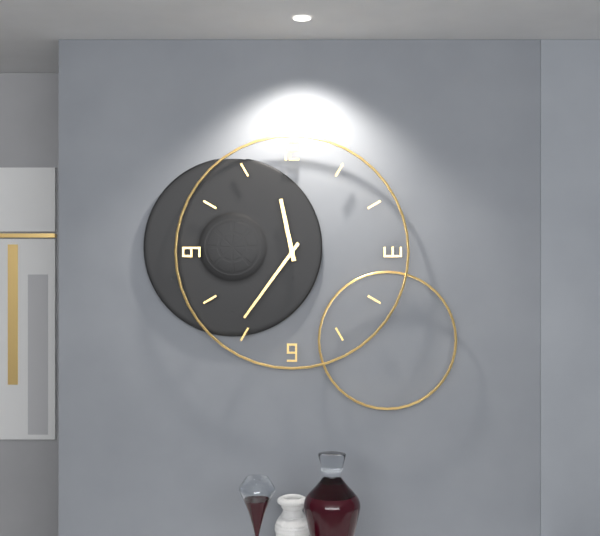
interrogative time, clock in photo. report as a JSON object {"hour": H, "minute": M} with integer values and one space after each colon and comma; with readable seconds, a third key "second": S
{"hour": 11, "minute": 36}
